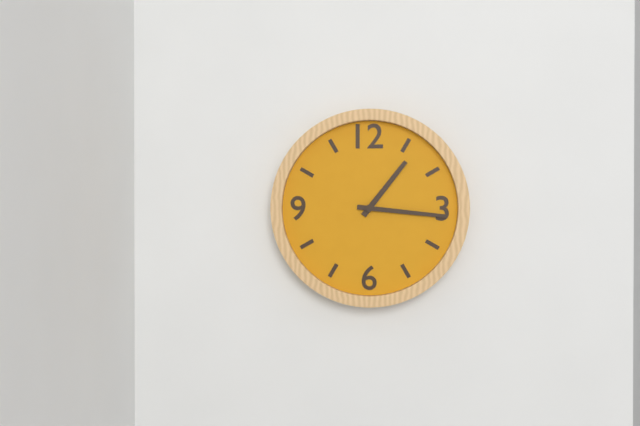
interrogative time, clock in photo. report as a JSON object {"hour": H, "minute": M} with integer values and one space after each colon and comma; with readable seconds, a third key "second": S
{"hour": 1, "minute": 16}
